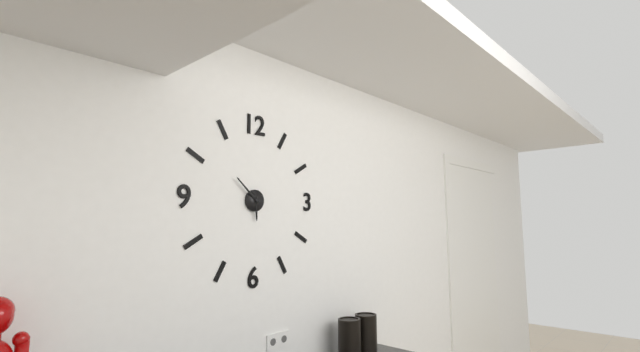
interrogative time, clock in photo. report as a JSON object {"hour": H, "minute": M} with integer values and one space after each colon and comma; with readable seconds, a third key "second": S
{"hour": 5, "minute": 52}
